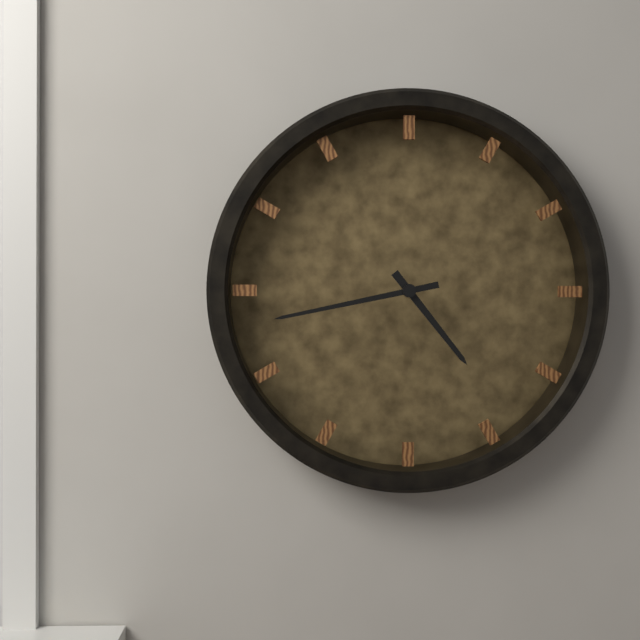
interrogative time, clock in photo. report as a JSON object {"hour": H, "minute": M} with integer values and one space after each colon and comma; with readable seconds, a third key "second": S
{"hour": 4, "minute": 43}
